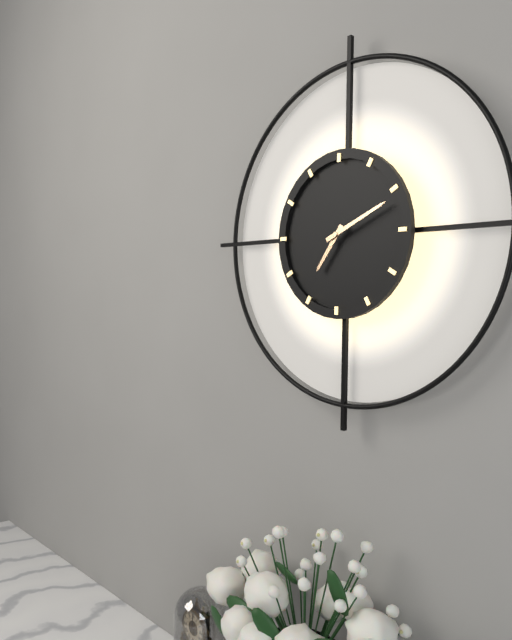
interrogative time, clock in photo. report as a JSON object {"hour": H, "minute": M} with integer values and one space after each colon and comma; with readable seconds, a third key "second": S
{"hour": 7, "minute": 11}
